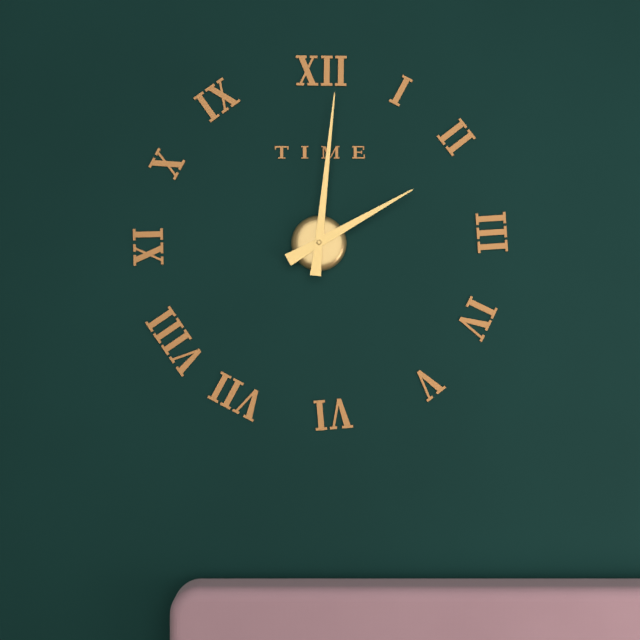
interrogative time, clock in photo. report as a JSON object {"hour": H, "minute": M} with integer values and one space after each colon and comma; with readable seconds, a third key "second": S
{"hour": 2, "minute": 1}
